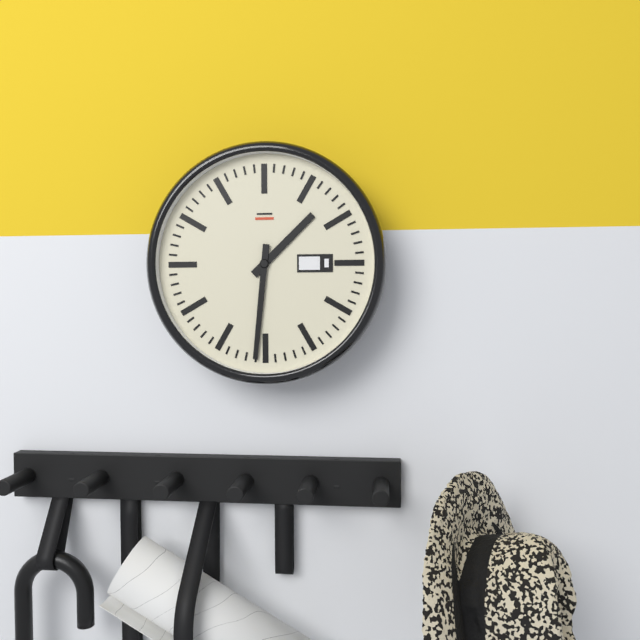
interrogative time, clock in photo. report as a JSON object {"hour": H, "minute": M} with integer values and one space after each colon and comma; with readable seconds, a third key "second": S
{"hour": 1, "minute": 31}
